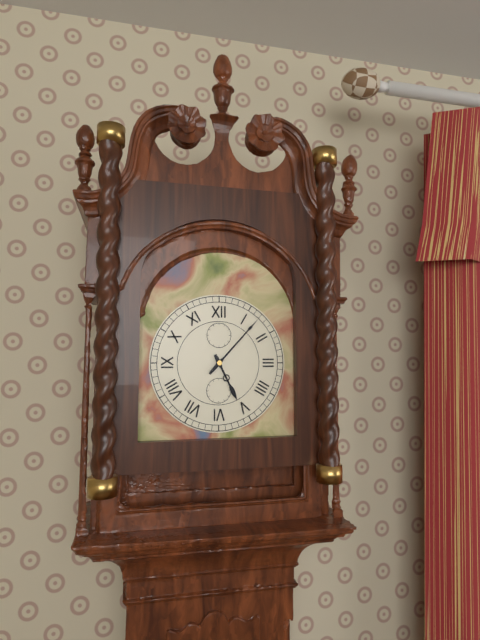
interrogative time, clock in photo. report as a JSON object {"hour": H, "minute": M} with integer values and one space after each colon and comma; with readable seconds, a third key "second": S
{"hour": 5, "minute": 7}
